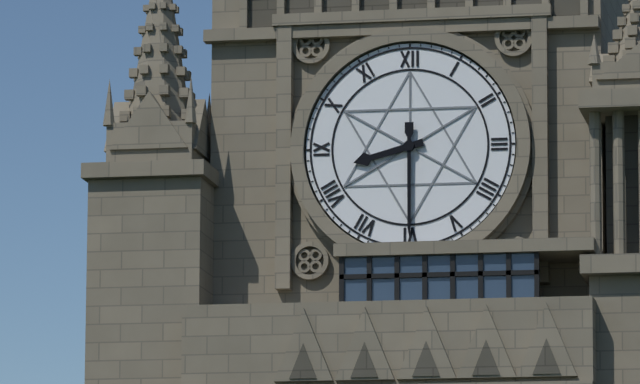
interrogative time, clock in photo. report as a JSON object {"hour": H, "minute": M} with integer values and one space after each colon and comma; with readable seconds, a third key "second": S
{"hour": 8, "minute": 30}
